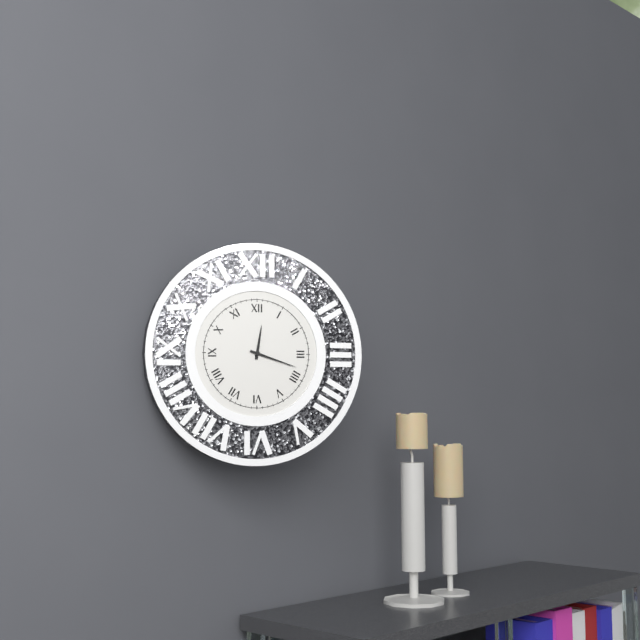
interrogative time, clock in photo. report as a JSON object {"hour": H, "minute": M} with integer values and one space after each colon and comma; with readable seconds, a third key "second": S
{"hour": 12, "minute": 18}
